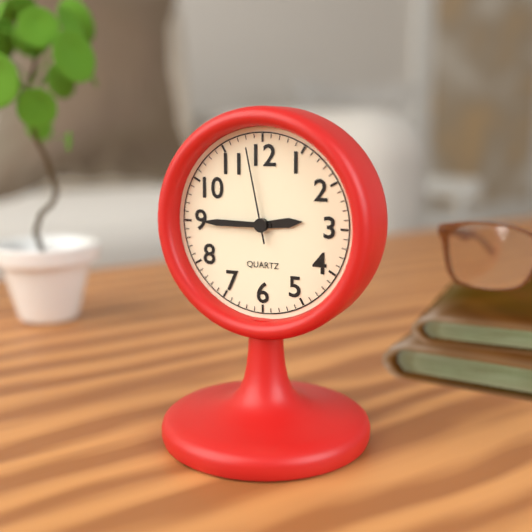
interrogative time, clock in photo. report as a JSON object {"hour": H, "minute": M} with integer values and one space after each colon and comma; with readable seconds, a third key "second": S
{"hour": 2, "minute": 45, "second": 58}
